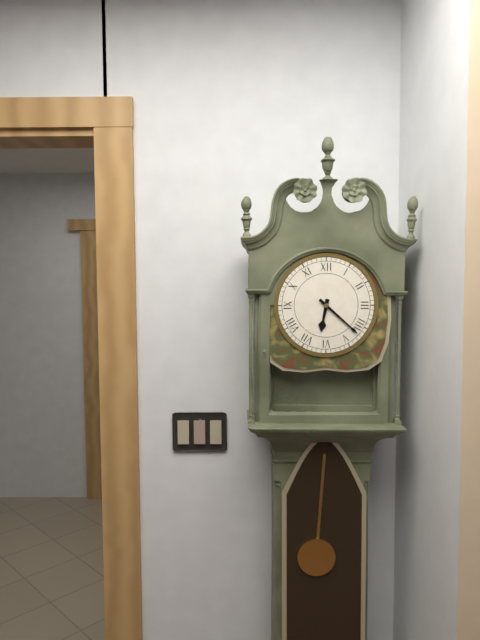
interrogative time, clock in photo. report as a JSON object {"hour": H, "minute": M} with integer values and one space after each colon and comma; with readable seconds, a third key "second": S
{"hour": 6, "minute": 22}
